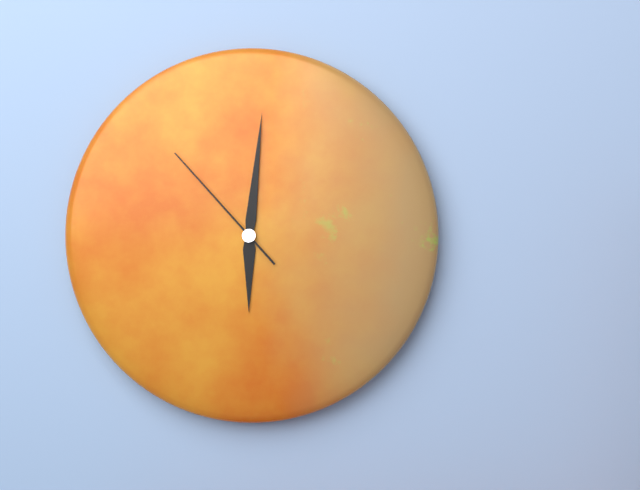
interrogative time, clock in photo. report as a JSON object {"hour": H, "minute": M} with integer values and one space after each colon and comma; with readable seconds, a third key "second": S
{"hour": 6, "minute": 1, "second": 53}
